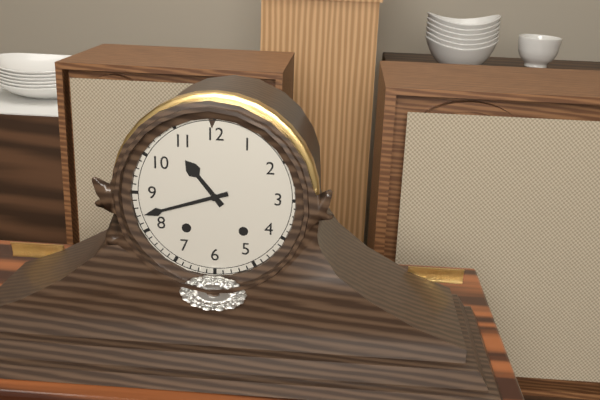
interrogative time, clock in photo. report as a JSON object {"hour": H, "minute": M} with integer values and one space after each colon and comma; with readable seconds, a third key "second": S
{"hour": 10, "minute": 42}
